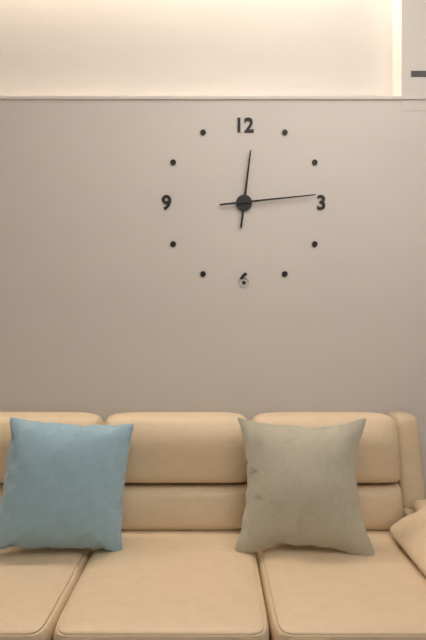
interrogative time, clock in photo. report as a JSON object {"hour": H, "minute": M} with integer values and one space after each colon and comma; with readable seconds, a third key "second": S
{"hour": 12, "minute": 14}
